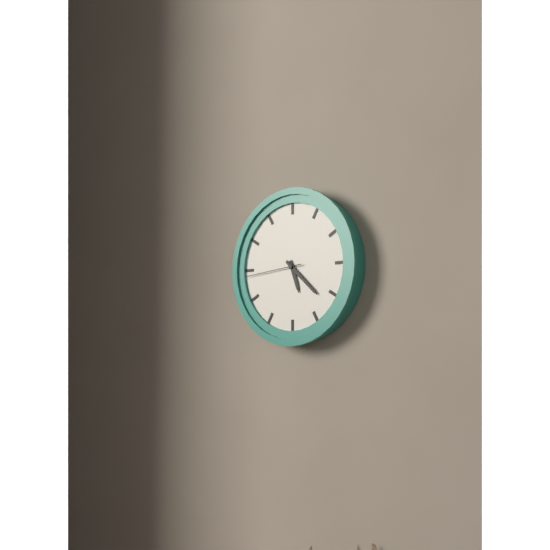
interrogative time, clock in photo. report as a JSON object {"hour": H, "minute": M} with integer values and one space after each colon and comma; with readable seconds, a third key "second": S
{"hour": 5, "minute": 22, "second": 44}
